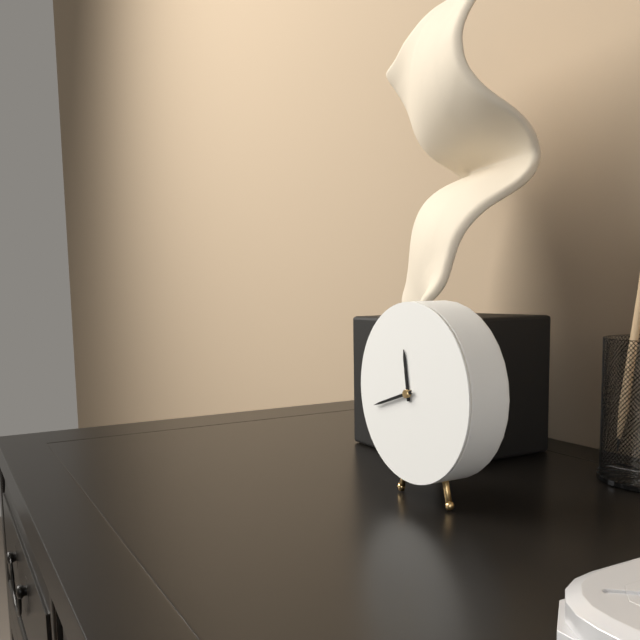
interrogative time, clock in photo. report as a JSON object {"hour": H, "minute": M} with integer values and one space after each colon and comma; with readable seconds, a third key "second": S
{"hour": 11, "minute": 42}
